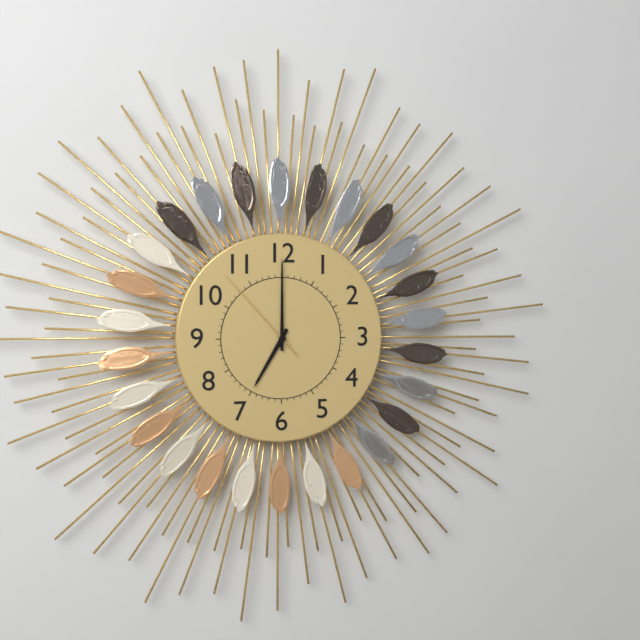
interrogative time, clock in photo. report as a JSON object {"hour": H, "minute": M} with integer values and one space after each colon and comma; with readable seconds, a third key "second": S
{"hour": 7, "minute": 0, "second": 53}
